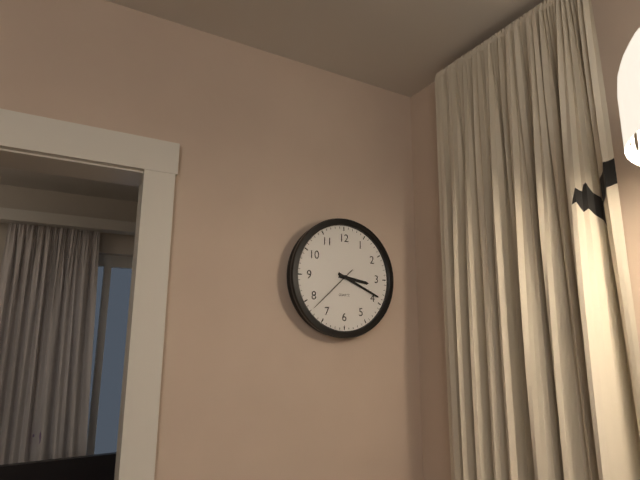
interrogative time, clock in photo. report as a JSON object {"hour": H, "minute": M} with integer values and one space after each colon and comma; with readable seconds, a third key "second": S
{"hour": 3, "minute": 19, "second": 38}
